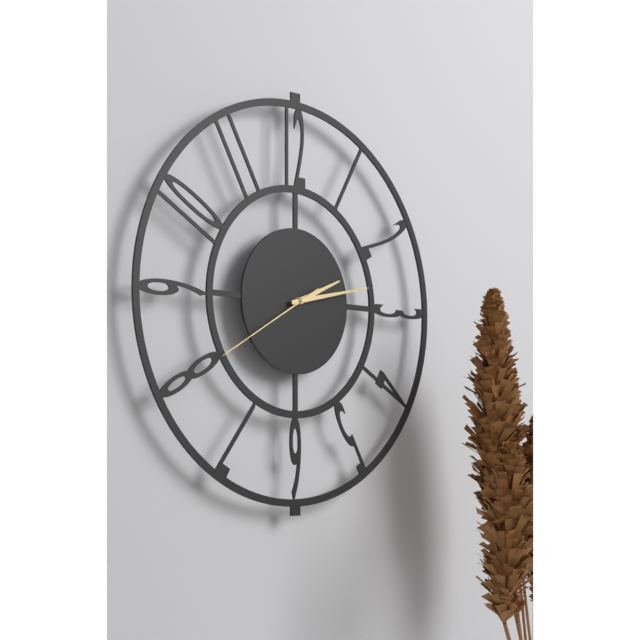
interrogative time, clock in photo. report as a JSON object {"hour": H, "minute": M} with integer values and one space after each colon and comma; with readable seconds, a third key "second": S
{"hour": 2, "minute": 13, "second": 40}
